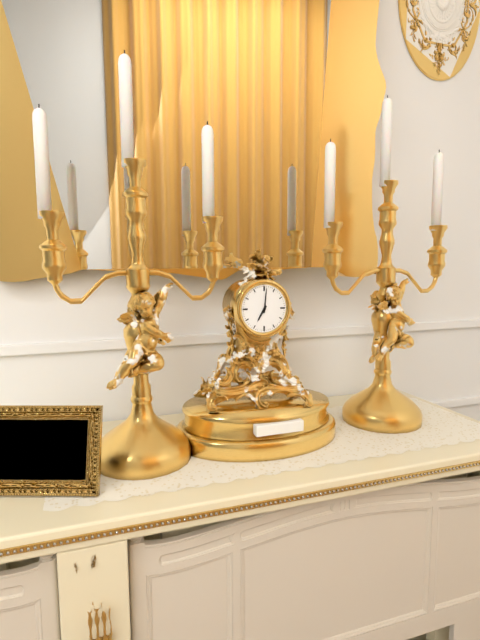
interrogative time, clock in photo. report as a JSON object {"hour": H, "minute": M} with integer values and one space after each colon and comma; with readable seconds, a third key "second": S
{"hour": 7, "minute": 1}
